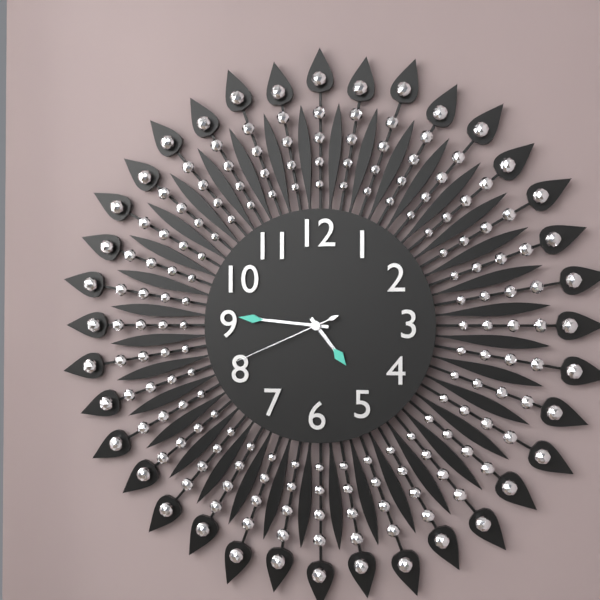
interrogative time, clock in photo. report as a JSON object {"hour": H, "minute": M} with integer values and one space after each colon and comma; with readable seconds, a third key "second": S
{"hour": 4, "minute": 46, "second": 41}
